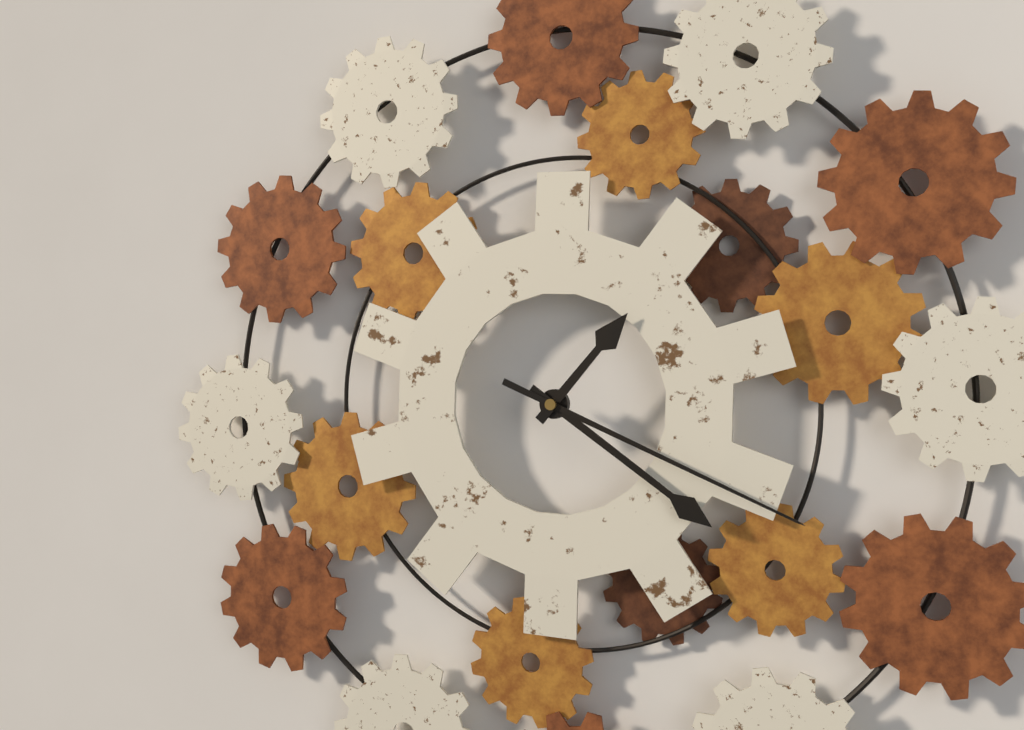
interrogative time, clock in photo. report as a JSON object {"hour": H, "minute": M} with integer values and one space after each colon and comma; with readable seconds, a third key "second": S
{"hour": 1, "minute": 21, "second": 19}
